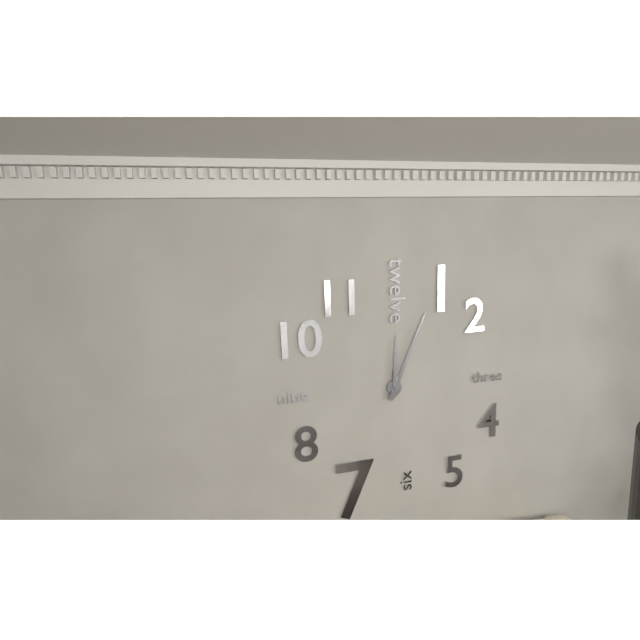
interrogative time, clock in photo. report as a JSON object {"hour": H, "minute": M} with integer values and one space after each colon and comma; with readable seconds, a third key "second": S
{"hour": 12, "minute": 4}
